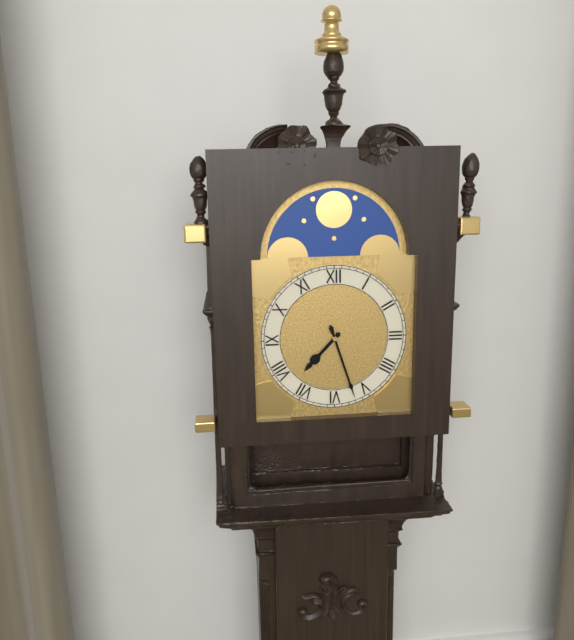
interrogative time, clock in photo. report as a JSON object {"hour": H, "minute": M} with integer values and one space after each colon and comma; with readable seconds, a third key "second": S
{"hour": 7, "minute": 27}
